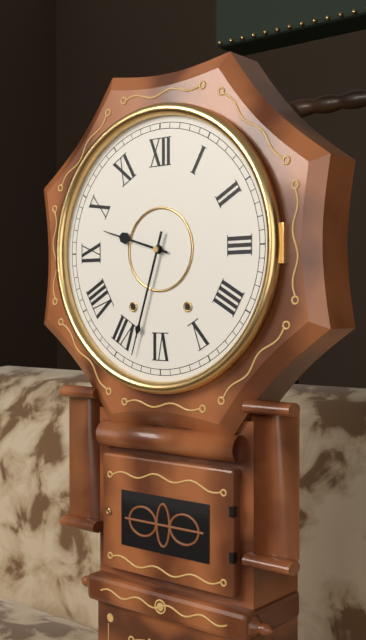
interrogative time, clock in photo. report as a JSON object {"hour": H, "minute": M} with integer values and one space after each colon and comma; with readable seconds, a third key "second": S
{"hour": 9, "minute": 33}
